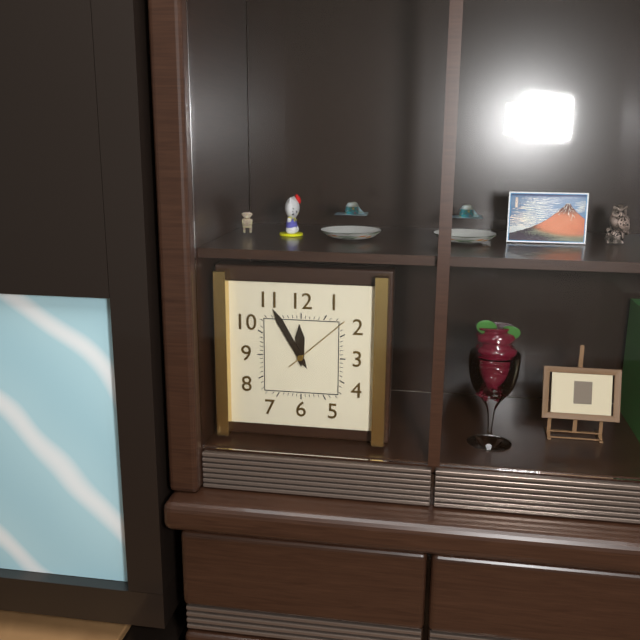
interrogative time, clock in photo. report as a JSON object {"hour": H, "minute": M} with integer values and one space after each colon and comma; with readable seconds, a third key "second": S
{"hour": 11, "minute": 55, "second": 8}
